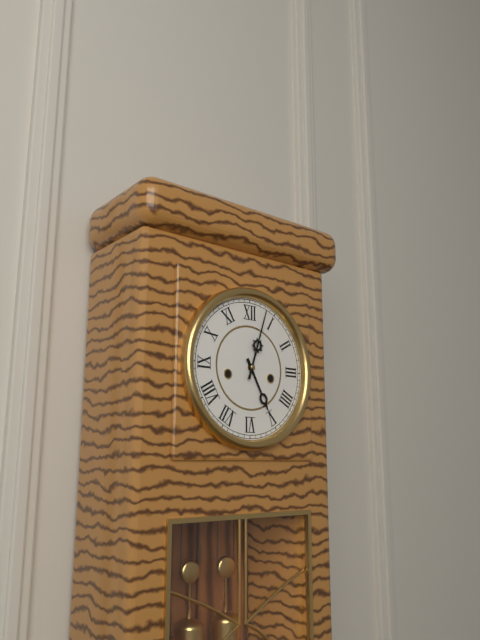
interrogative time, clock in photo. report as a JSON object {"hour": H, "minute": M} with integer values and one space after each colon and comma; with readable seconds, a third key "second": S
{"hour": 5, "minute": 3}
